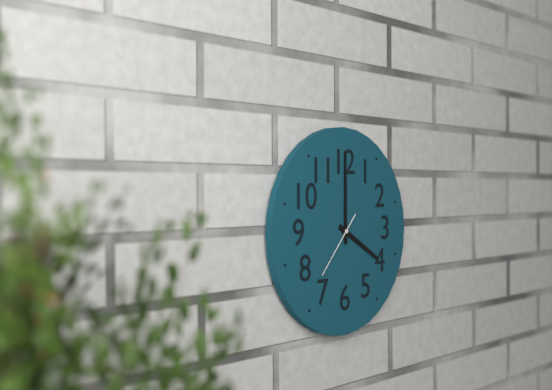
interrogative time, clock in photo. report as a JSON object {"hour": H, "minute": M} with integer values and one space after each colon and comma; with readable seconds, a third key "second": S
{"hour": 4, "minute": 0, "second": 37}
